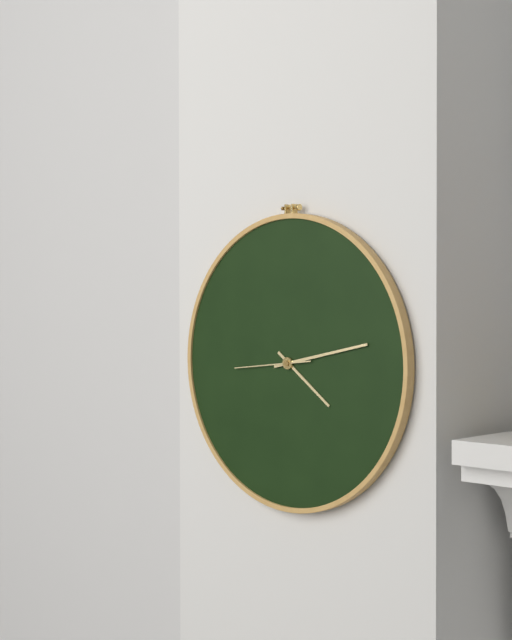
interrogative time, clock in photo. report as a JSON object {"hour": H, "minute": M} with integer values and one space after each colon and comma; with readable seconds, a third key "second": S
{"hour": 4, "minute": 13, "second": 44}
